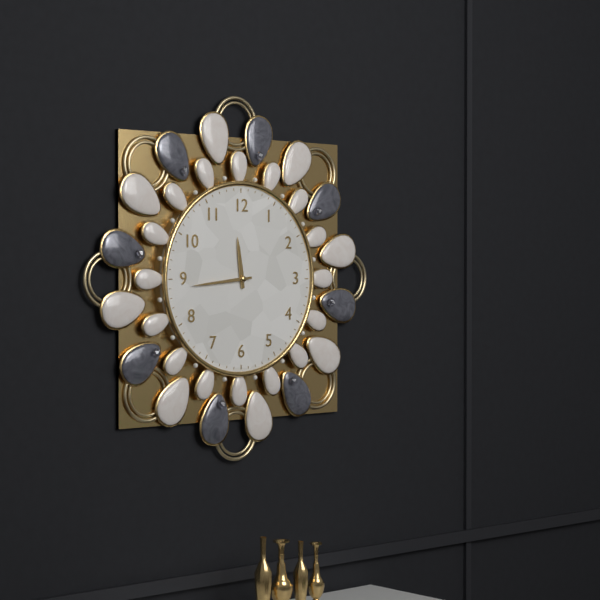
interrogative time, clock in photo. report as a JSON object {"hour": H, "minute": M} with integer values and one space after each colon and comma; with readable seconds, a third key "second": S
{"hour": 11, "minute": 44}
